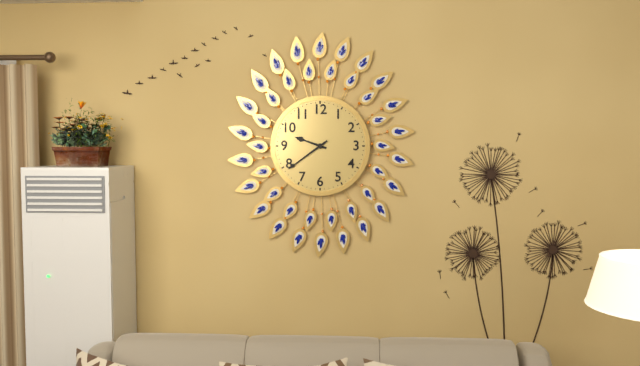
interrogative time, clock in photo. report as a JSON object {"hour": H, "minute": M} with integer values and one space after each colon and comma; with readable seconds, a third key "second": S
{"hour": 9, "minute": 39}
